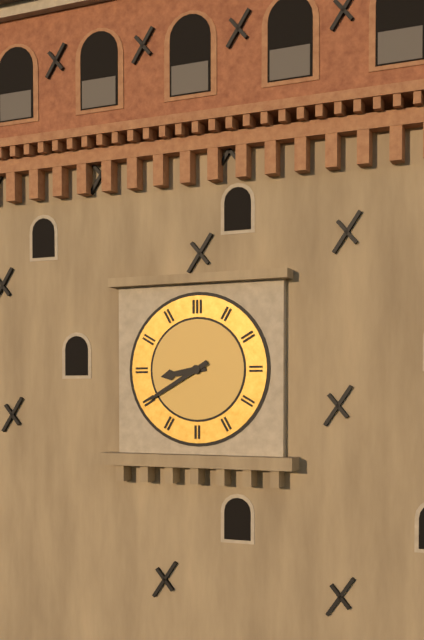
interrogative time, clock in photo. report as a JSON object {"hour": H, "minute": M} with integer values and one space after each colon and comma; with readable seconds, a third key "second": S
{"hour": 8, "minute": 40}
